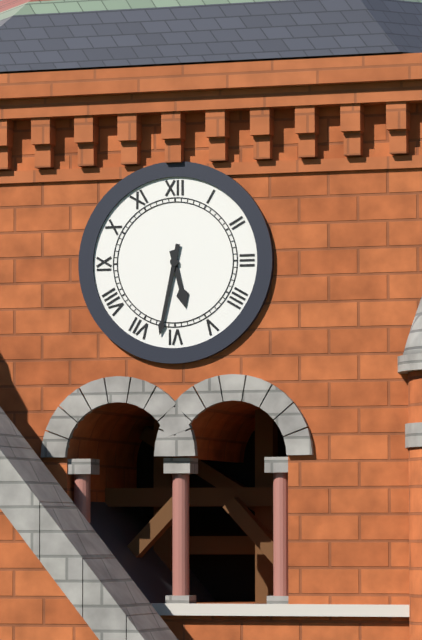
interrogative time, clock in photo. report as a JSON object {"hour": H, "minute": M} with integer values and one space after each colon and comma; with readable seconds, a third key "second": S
{"hour": 5, "minute": 32}
